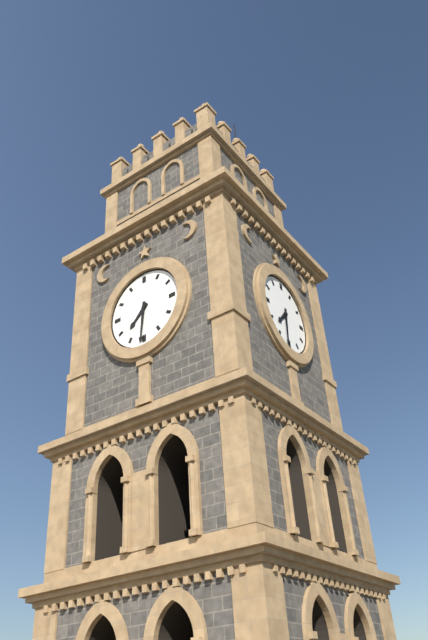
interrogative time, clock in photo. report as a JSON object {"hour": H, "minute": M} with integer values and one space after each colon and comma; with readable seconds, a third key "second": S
{"hour": 7, "minute": 31}
